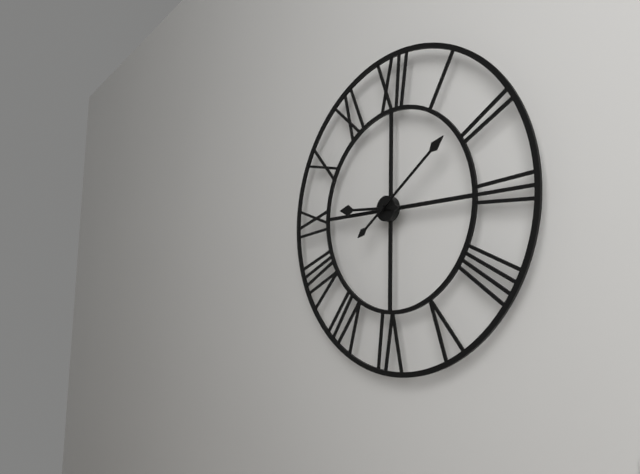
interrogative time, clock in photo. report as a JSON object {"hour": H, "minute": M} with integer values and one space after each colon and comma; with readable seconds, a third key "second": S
{"hour": 9, "minute": 9}
